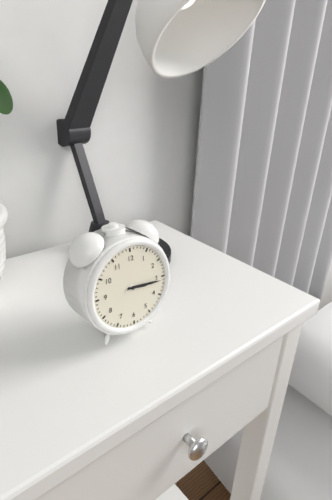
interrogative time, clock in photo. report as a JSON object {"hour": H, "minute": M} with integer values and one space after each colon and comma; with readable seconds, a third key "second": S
{"hour": 3, "minute": 16}
